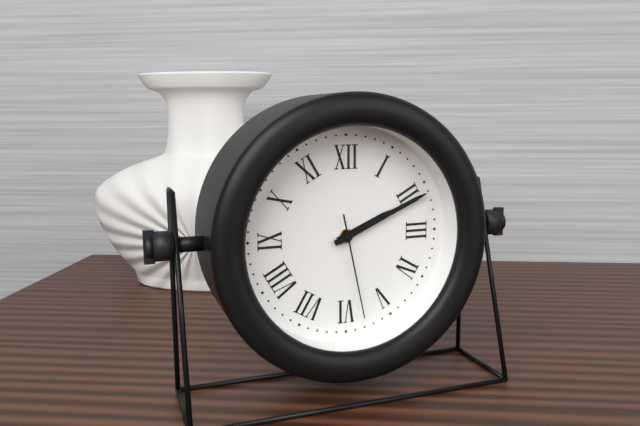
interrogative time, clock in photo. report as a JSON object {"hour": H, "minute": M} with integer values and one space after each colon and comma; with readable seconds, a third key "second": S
{"hour": 2, "minute": 11, "second": 28}
